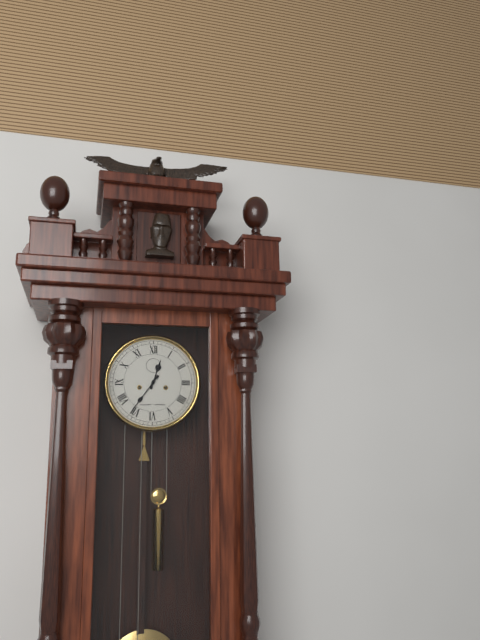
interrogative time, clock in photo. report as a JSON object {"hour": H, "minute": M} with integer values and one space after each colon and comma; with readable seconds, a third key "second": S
{"hour": 12, "minute": 36}
